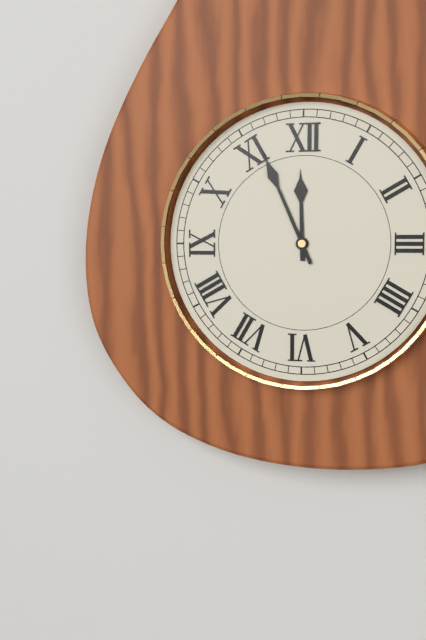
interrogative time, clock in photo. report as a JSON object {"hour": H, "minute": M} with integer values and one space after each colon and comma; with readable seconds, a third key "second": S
{"hour": 11, "minute": 56}
